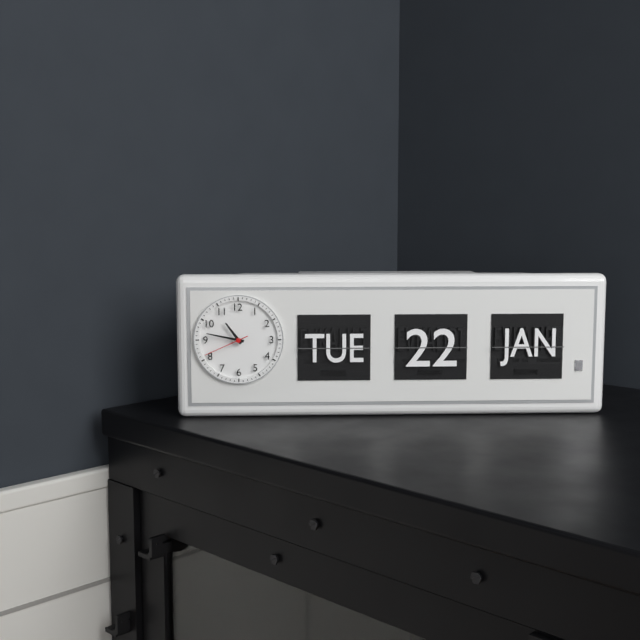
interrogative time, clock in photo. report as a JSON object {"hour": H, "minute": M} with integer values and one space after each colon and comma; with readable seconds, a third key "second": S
{"hour": 10, "minute": 47}
